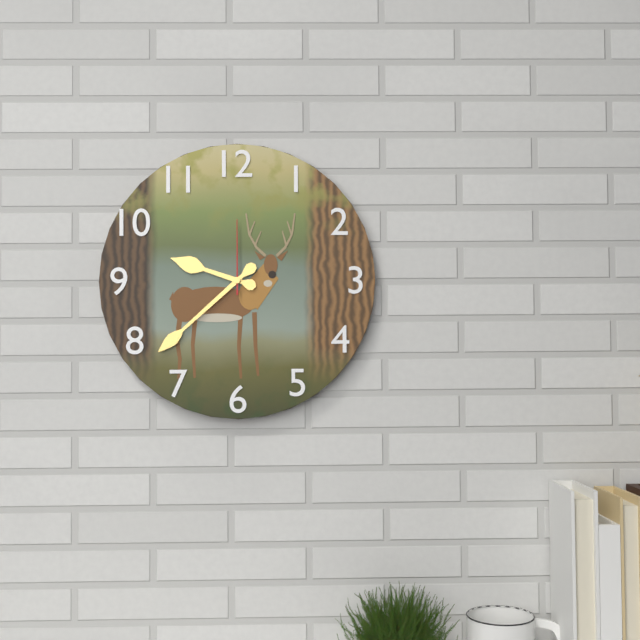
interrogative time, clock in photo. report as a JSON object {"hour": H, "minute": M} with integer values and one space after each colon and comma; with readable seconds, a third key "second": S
{"hour": 9, "minute": 38, "second": 0}
